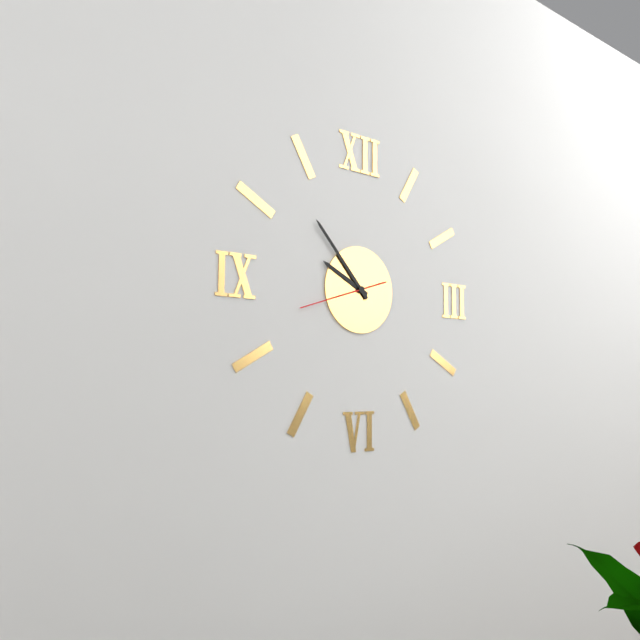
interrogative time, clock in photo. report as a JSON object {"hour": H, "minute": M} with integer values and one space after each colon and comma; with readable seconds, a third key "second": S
{"hour": 9, "minute": 53, "second": 42}
